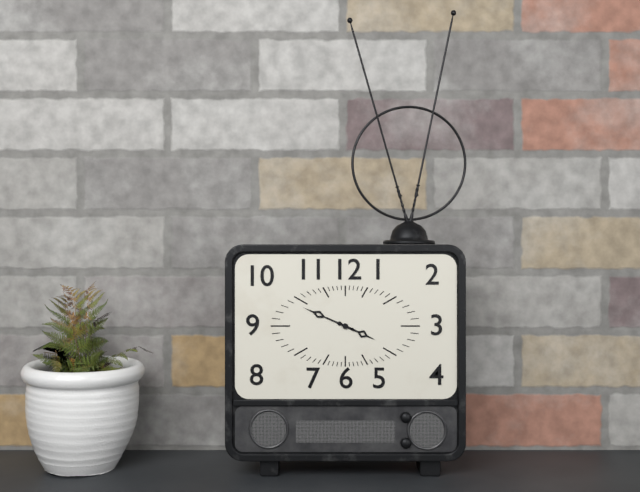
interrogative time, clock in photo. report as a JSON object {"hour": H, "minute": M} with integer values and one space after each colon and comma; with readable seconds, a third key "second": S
{"hour": 3, "minute": 49}
